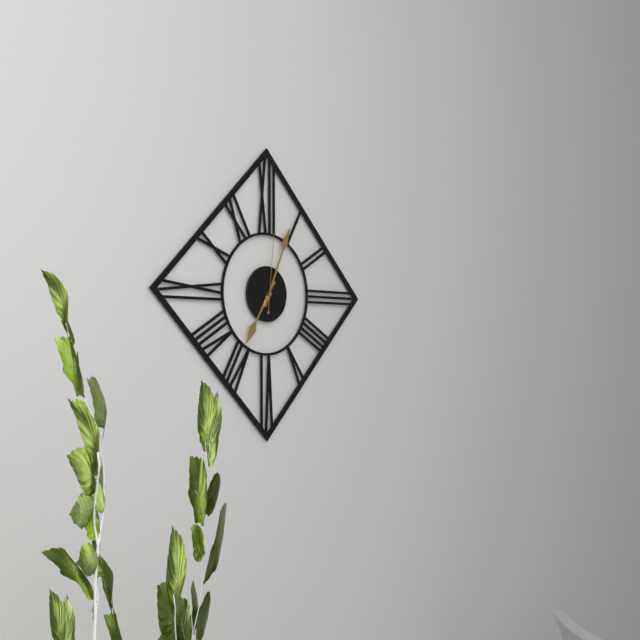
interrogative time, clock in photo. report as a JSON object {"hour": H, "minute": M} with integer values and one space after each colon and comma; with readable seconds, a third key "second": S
{"hour": 7, "minute": 4, "second": 1}
